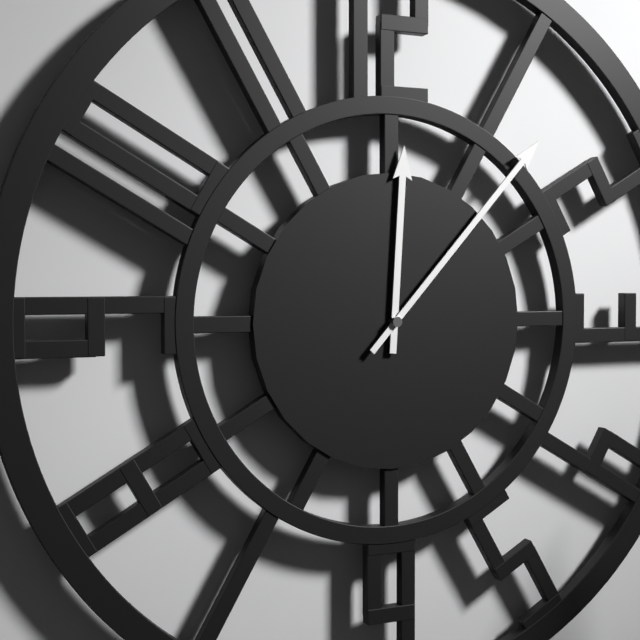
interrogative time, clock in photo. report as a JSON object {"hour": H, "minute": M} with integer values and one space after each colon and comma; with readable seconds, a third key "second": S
{"hour": 12, "minute": 7}
